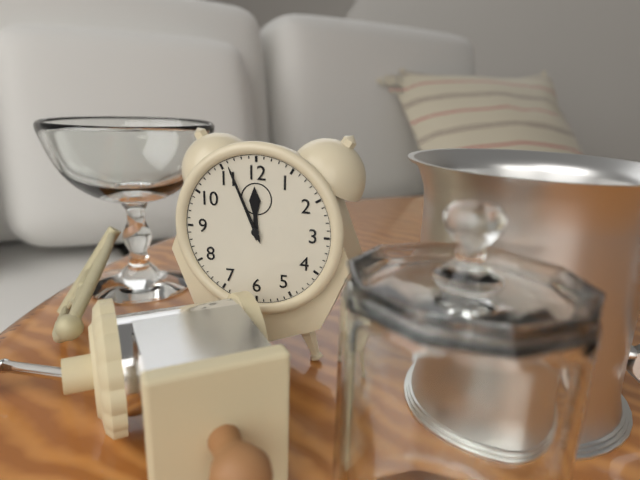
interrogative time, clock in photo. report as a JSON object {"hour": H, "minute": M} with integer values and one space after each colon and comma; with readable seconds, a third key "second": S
{"hour": 11, "minute": 56}
